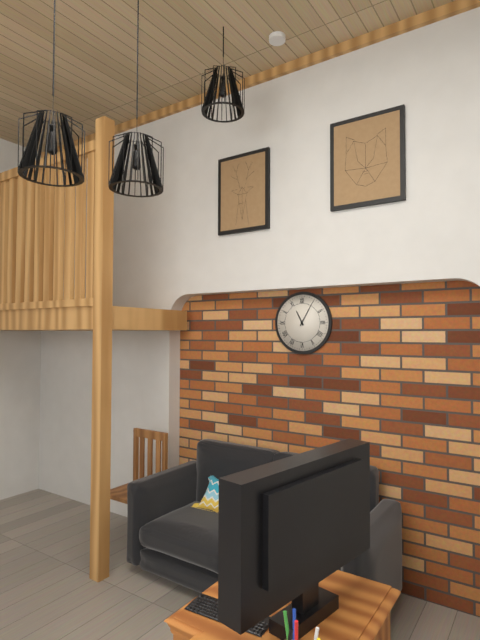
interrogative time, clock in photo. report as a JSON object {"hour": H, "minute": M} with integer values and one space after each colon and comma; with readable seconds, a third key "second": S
{"hour": 11, "minute": 5}
